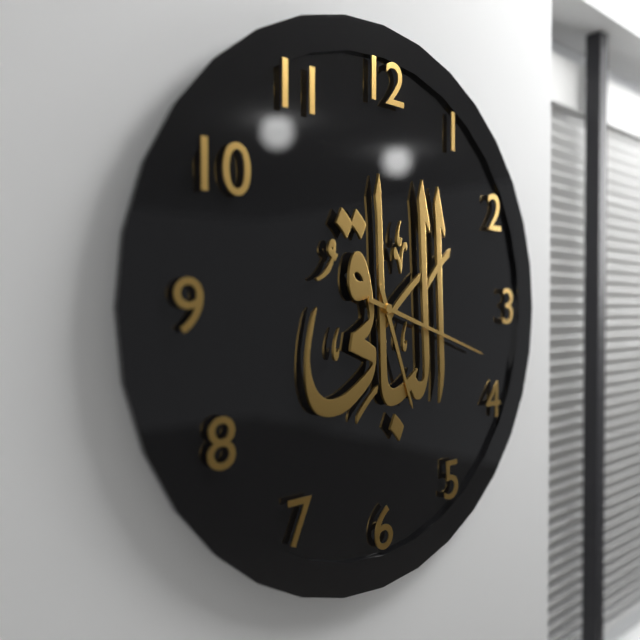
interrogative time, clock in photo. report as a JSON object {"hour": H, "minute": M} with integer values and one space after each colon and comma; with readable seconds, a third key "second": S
{"hour": 5, "minute": 18}
